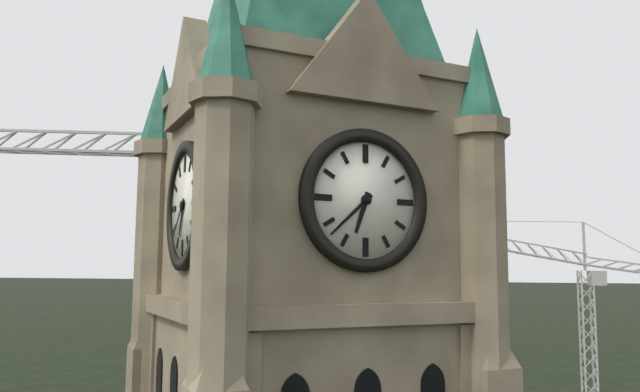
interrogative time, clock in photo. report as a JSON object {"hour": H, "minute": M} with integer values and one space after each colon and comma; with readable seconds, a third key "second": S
{"hour": 6, "minute": 38}
